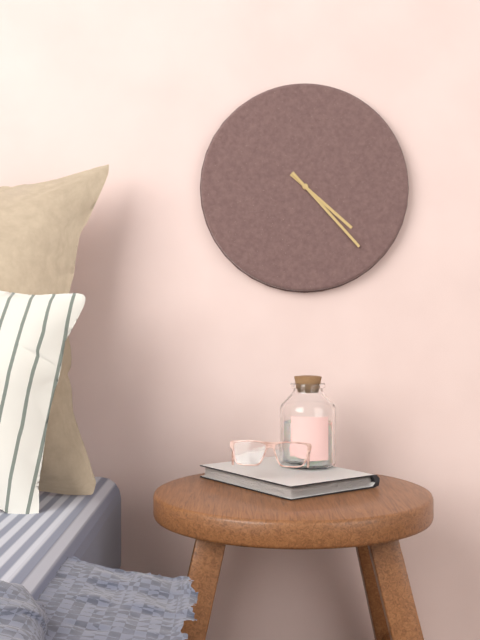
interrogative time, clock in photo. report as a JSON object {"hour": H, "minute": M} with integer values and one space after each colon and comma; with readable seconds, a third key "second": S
{"hour": 4, "minute": 23}
